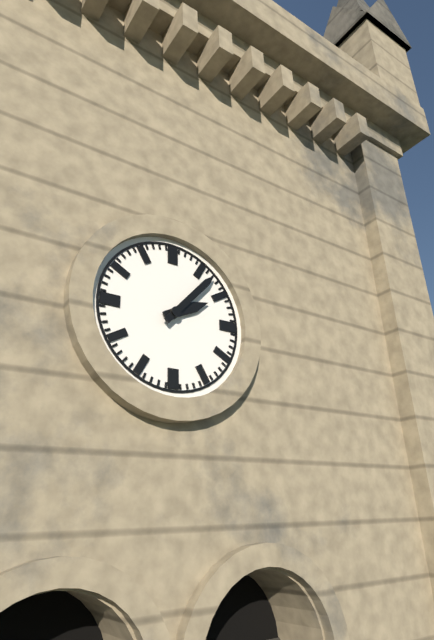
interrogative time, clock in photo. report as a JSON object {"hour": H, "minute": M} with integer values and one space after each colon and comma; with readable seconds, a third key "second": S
{"hour": 2, "minute": 7}
